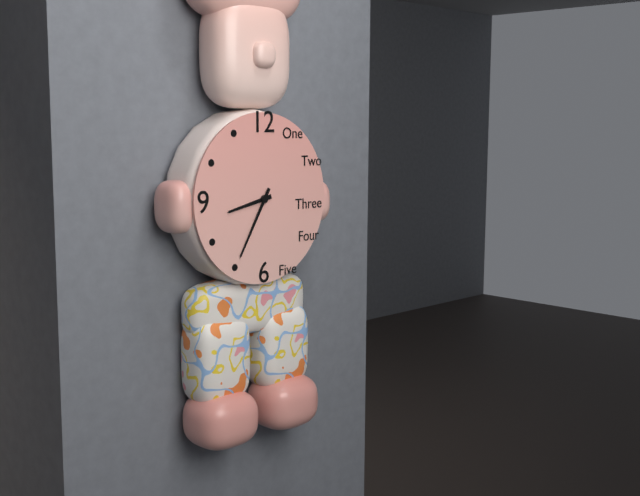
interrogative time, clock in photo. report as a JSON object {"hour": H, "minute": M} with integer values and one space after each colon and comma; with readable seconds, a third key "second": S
{"hour": 8, "minute": 35}
